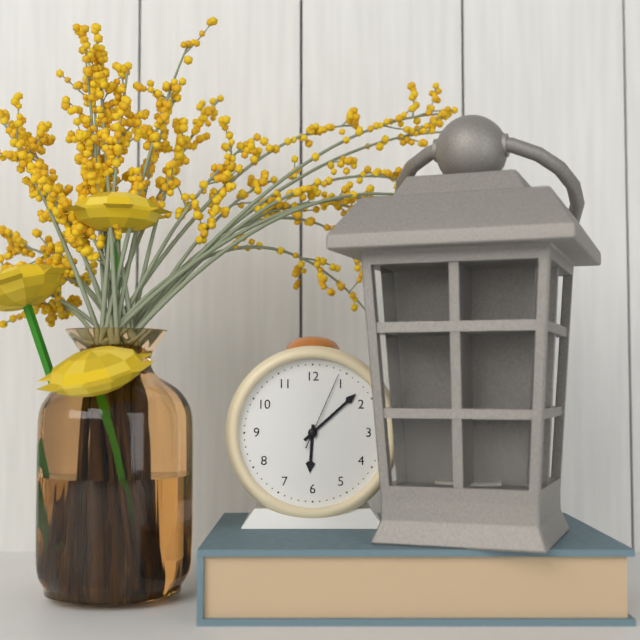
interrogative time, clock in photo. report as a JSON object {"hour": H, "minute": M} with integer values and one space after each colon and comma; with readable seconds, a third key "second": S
{"hour": 6, "minute": 8, "second": 4}
